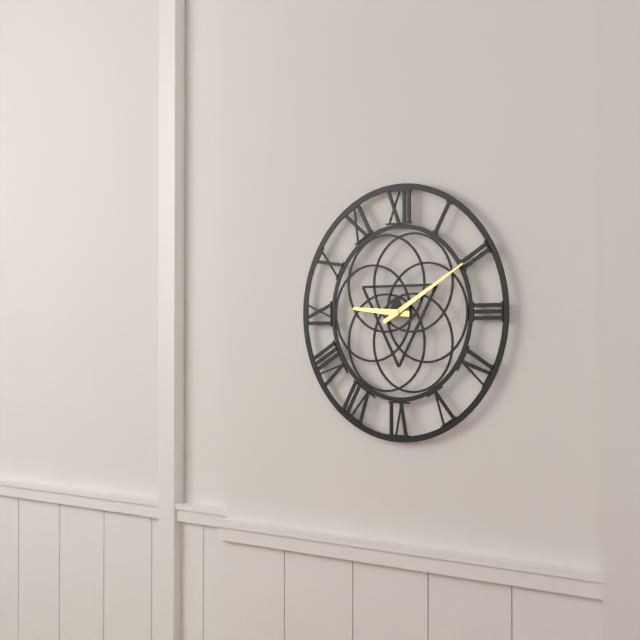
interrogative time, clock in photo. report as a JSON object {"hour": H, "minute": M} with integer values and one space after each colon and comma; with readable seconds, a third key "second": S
{"hour": 9, "minute": 10}
